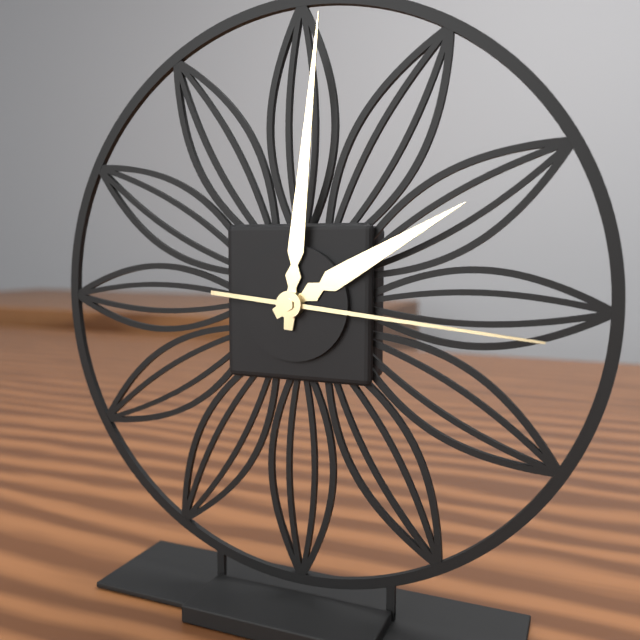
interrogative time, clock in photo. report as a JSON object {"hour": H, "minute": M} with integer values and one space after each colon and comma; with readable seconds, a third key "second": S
{"hour": 2, "minute": 1, "second": 16}
